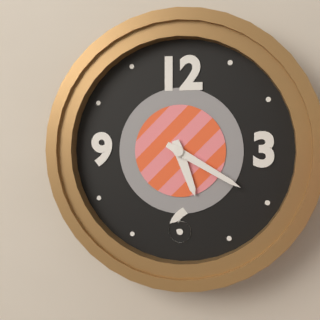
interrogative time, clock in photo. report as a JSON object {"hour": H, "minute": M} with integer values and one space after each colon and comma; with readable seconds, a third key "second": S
{"hour": 5, "minute": 20}
